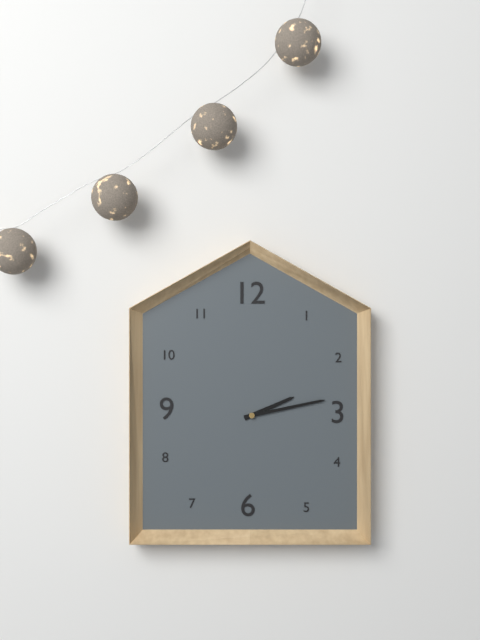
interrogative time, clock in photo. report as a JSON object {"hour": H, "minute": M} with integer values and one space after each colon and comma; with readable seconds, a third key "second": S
{"hour": 2, "minute": 13}
